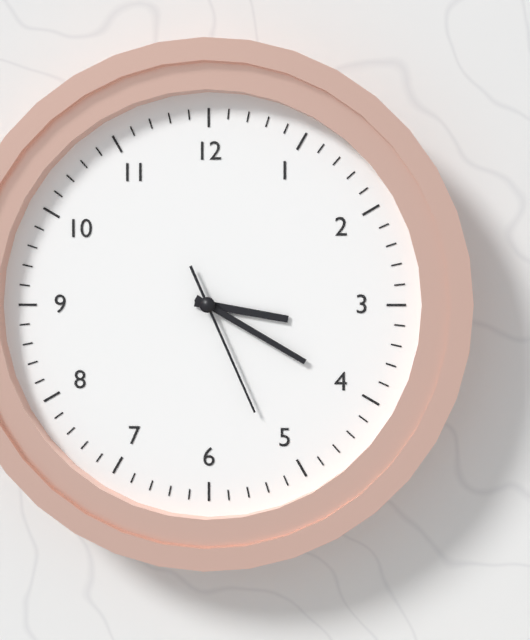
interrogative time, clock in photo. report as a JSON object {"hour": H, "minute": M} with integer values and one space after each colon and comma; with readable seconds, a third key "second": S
{"hour": 3, "minute": 20, "second": 26}
